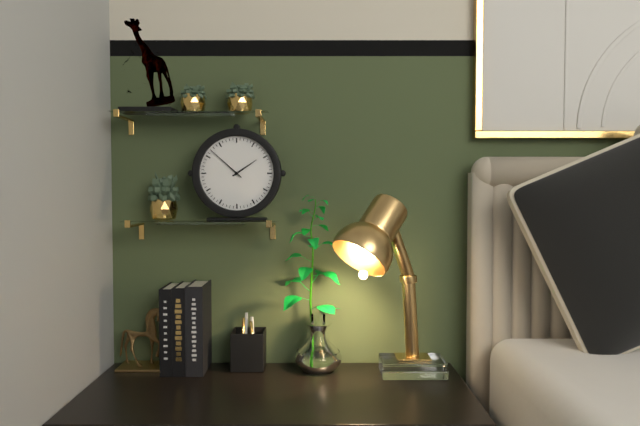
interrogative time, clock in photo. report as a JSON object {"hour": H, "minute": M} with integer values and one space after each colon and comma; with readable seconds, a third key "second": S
{"hour": 1, "minute": 52}
